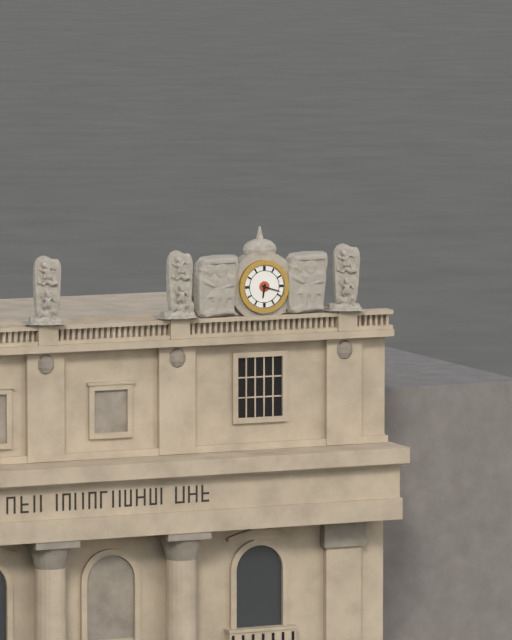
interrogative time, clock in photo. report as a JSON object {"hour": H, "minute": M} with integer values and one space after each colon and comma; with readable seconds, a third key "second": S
{"hour": 6, "minute": 18}
